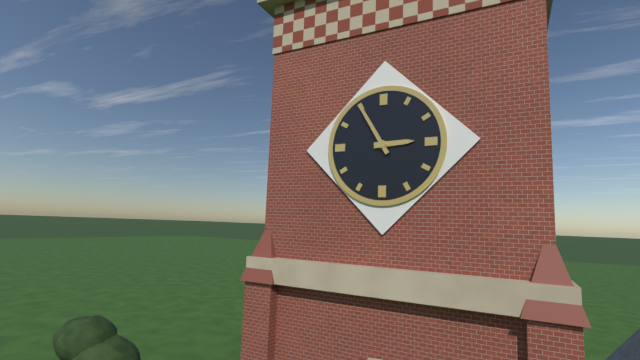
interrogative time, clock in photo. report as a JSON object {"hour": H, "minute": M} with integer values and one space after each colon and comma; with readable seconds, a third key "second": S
{"hour": 2, "minute": 55}
